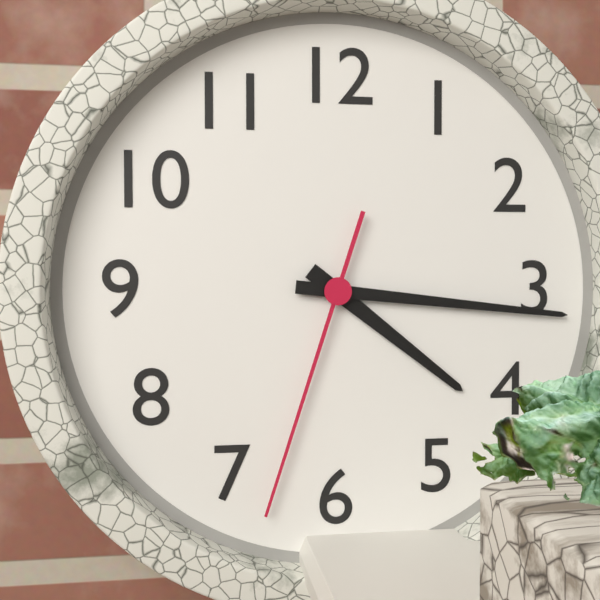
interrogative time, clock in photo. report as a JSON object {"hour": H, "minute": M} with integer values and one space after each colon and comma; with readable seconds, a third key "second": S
{"hour": 4, "minute": 16, "second": 33}
